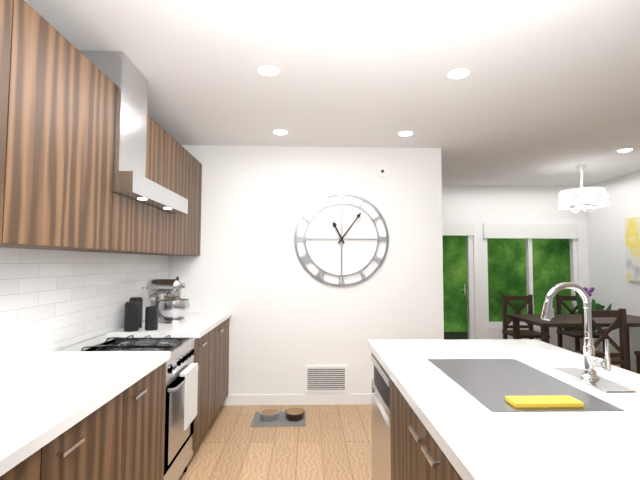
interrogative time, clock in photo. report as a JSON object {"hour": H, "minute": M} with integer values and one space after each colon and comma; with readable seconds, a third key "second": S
{"hour": 11, "minute": 6}
